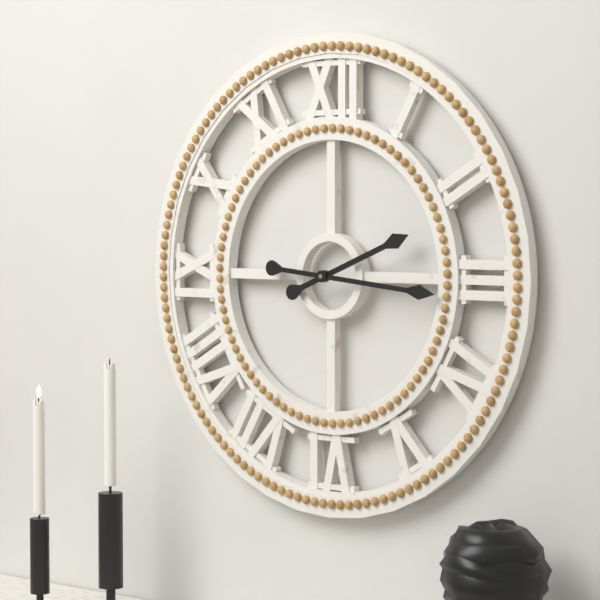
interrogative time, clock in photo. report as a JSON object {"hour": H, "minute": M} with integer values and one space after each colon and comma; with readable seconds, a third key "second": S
{"hour": 2, "minute": 16}
